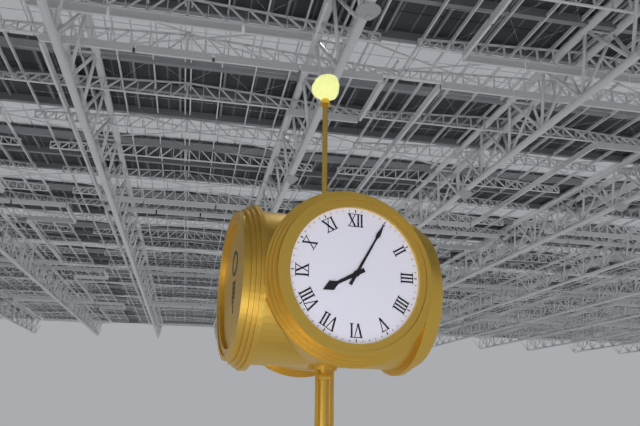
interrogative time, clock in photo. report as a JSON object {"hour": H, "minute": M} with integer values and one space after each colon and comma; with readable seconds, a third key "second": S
{"hour": 8, "minute": 5}
